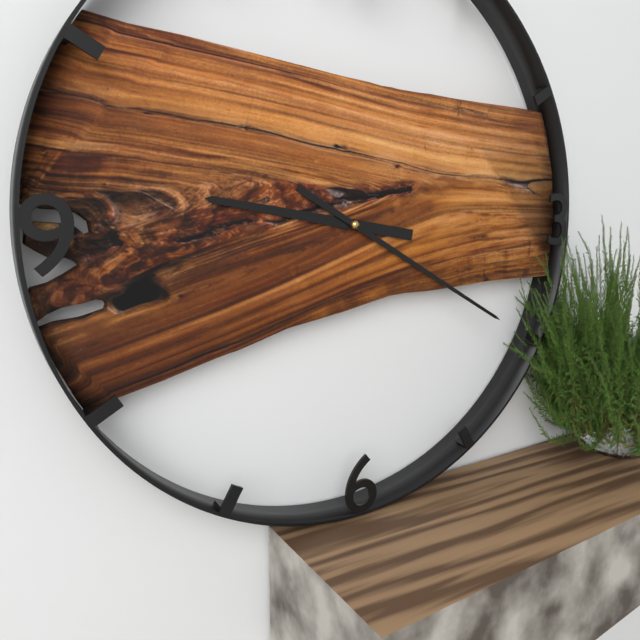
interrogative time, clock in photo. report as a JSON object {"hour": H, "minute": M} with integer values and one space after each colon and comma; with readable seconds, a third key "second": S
{"hour": 9, "minute": 20}
